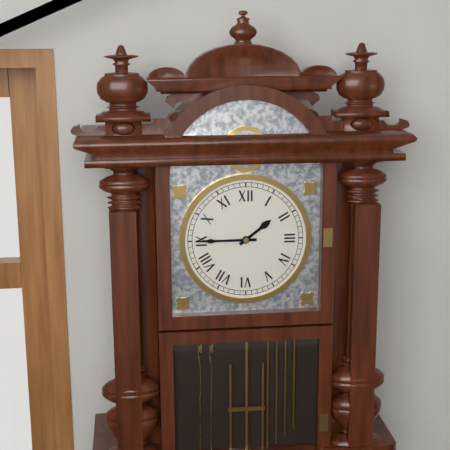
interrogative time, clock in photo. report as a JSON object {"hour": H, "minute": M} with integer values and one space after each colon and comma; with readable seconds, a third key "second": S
{"hour": 1, "minute": 45}
